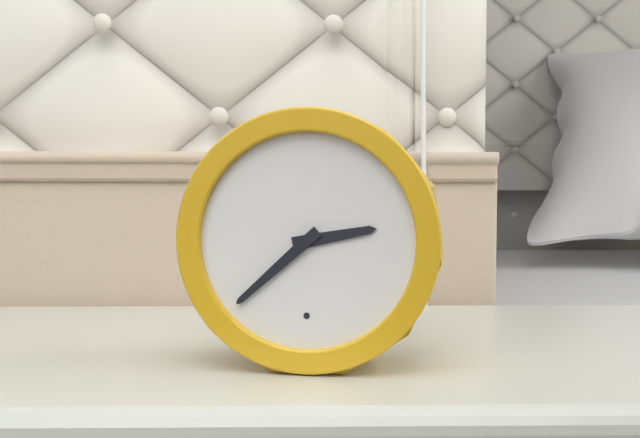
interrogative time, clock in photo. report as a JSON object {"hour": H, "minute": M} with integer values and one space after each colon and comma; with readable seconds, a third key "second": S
{"hour": 2, "minute": 38}
